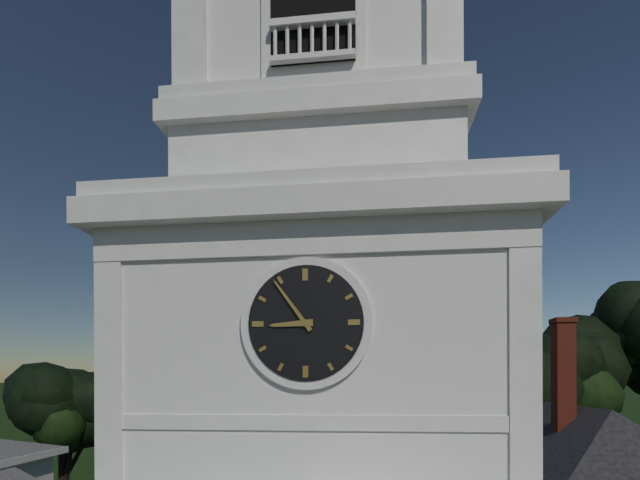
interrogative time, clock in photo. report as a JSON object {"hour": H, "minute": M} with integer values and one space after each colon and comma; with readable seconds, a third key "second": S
{"hour": 8, "minute": 54}
